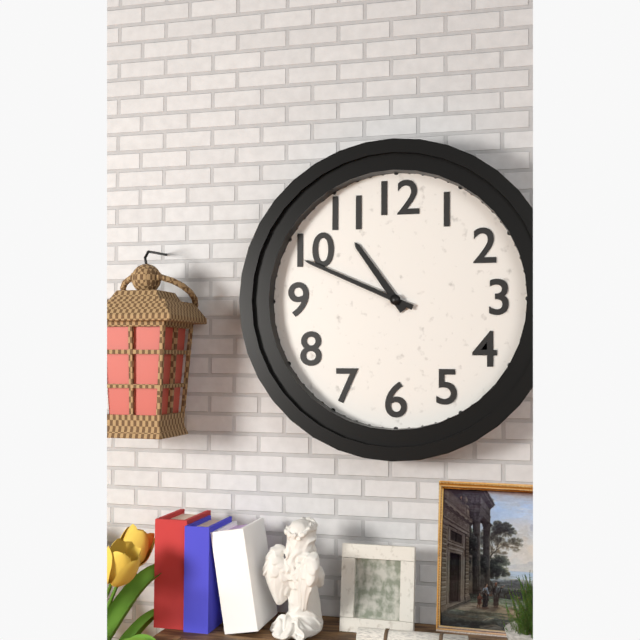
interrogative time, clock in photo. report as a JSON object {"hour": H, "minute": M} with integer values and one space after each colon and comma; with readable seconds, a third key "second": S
{"hour": 10, "minute": 49}
